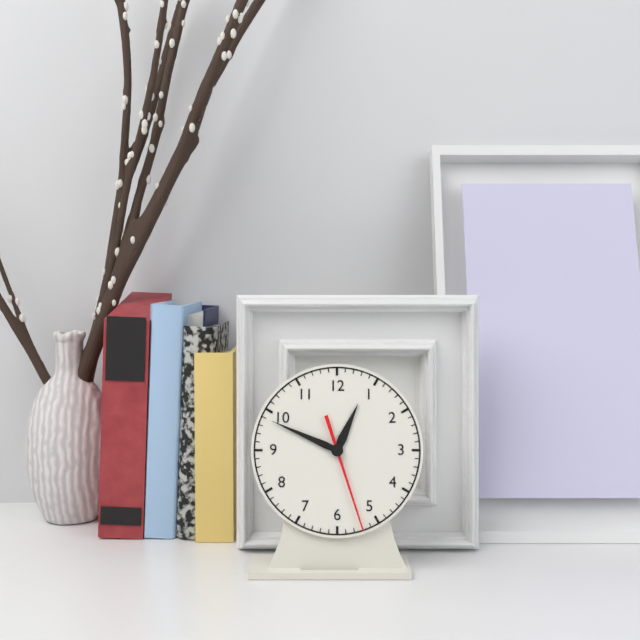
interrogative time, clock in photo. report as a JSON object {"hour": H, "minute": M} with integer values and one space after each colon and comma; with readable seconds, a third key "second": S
{"hour": 12, "minute": 49, "second": 27}
